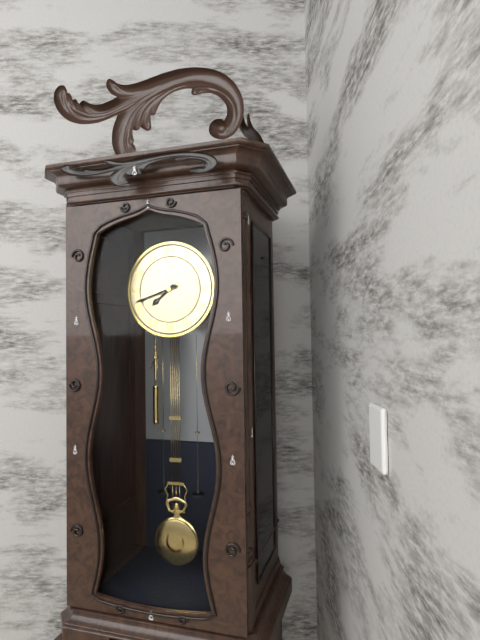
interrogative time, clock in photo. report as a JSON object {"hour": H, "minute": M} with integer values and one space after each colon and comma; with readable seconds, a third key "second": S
{"hour": 7, "minute": 42}
